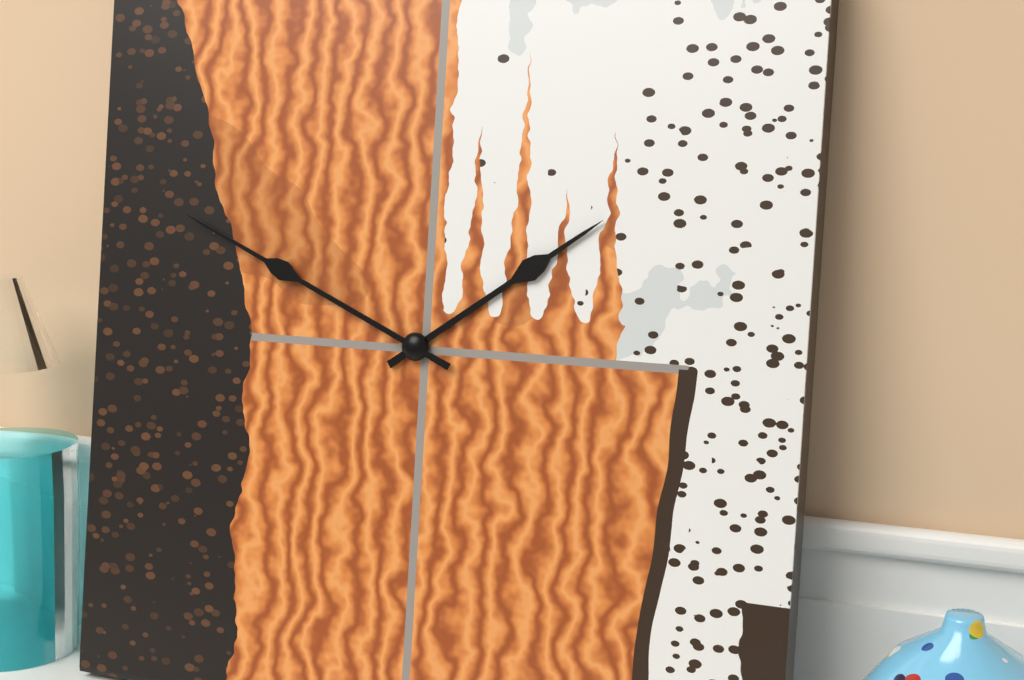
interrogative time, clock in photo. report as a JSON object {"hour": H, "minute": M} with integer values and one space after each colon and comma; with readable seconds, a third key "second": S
{"hour": 1, "minute": 49}
